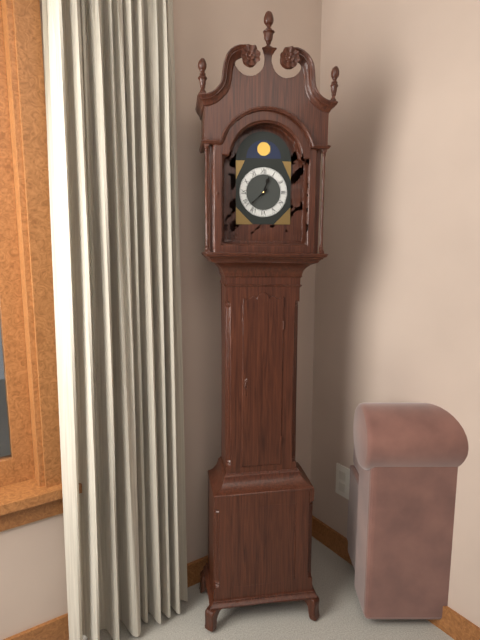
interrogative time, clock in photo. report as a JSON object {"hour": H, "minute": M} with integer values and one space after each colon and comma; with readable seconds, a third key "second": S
{"hour": 12, "minute": 38}
